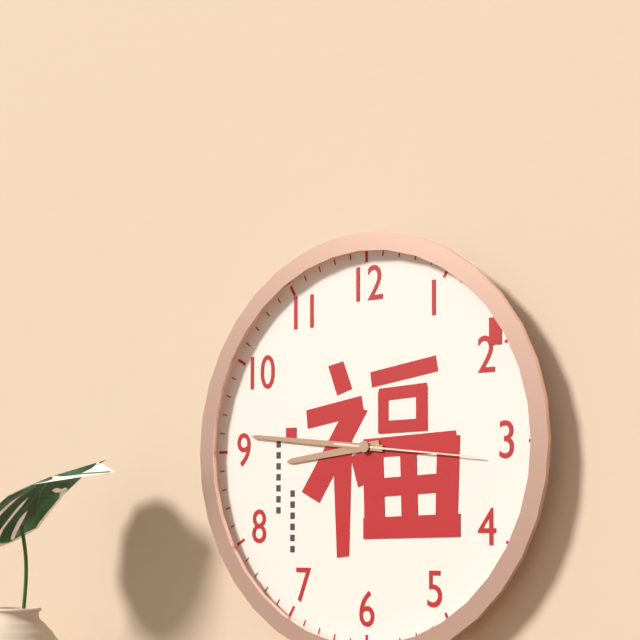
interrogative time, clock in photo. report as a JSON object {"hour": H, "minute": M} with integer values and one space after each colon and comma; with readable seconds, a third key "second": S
{"hour": 8, "minute": 46, "second": 16}
